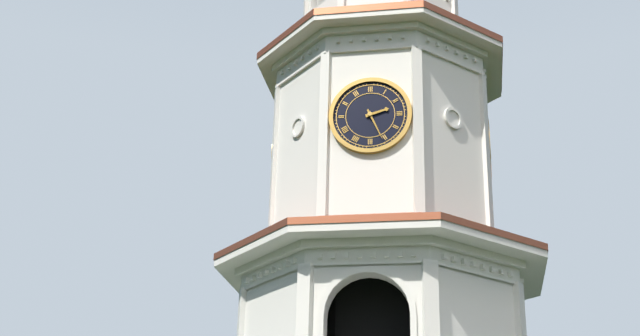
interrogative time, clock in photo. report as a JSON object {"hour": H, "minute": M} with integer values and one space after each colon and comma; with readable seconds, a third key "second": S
{"hour": 2, "minute": 26}
